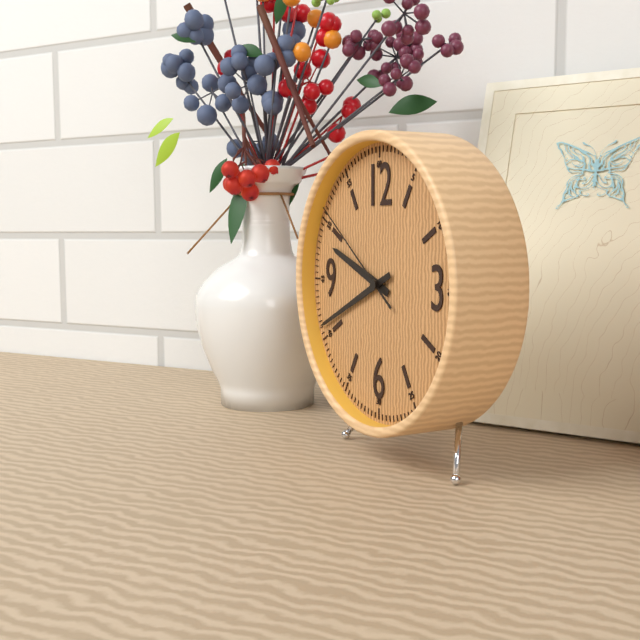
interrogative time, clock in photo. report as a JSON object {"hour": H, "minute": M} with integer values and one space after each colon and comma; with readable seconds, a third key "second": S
{"hour": 9, "minute": 41, "second": 51}
